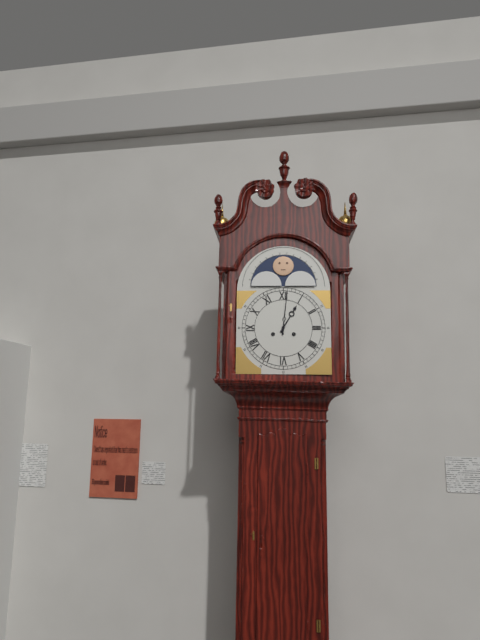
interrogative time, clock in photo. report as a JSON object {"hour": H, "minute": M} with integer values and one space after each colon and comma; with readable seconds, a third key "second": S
{"hour": 1, "minute": 1}
